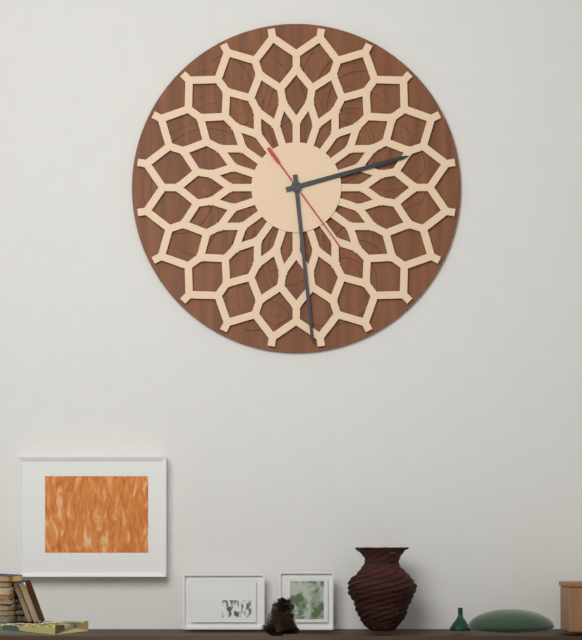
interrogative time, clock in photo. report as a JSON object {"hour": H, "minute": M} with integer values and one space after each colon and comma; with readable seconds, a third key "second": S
{"hour": 2, "minute": 29, "second": 24}
